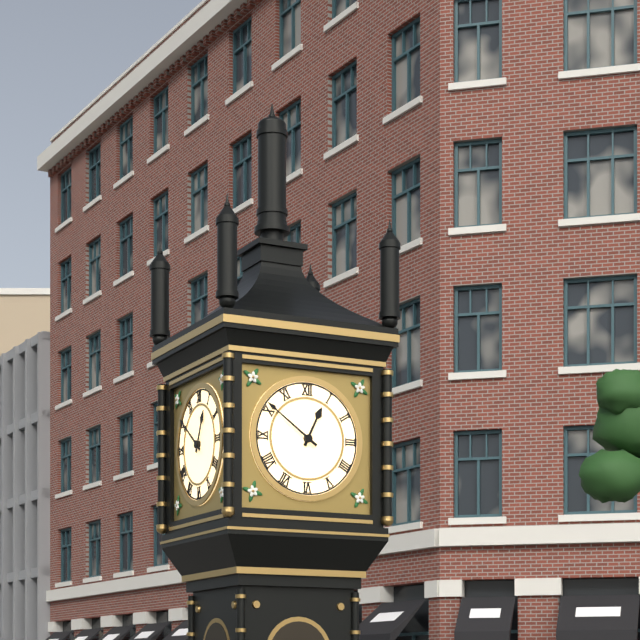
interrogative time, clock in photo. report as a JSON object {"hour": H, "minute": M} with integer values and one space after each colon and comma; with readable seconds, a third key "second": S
{"hour": 12, "minute": 51}
